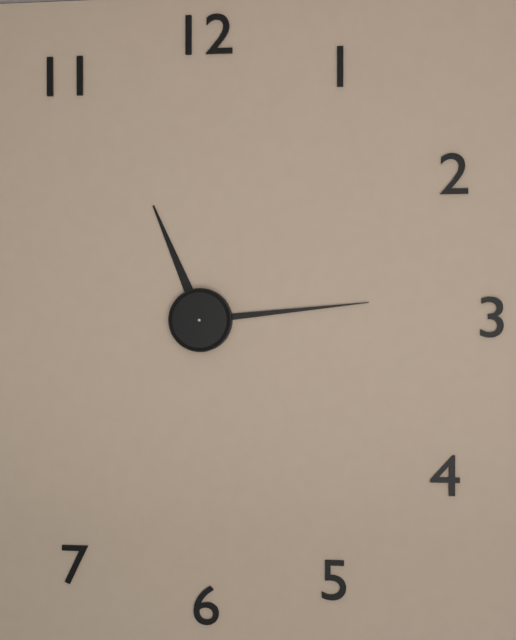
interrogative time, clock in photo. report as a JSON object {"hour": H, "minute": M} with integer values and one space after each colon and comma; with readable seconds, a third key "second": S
{"hour": 11, "minute": 14}
